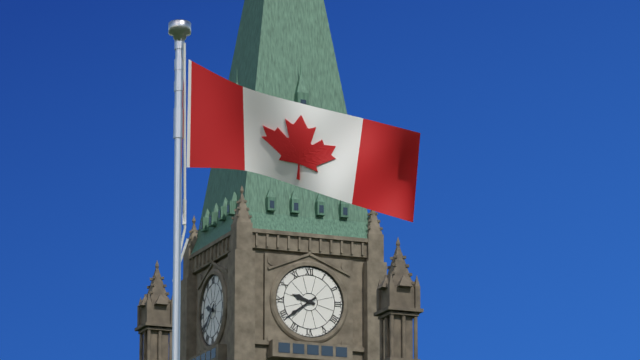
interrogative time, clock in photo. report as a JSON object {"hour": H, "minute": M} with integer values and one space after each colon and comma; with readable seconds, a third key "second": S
{"hour": 9, "minute": 39}
